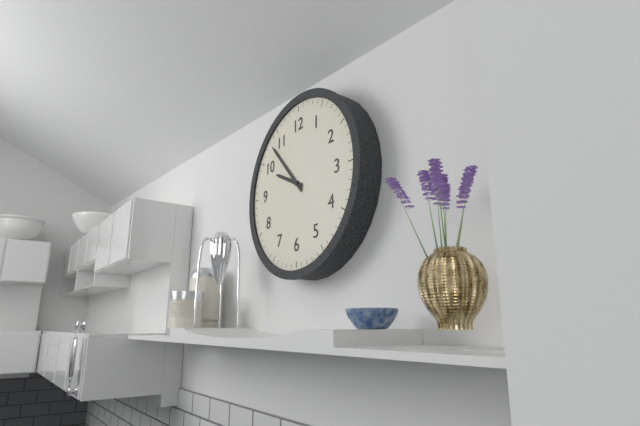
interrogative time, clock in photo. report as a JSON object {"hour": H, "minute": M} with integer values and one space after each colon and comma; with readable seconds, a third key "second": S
{"hour": 9, "minute": 53}
